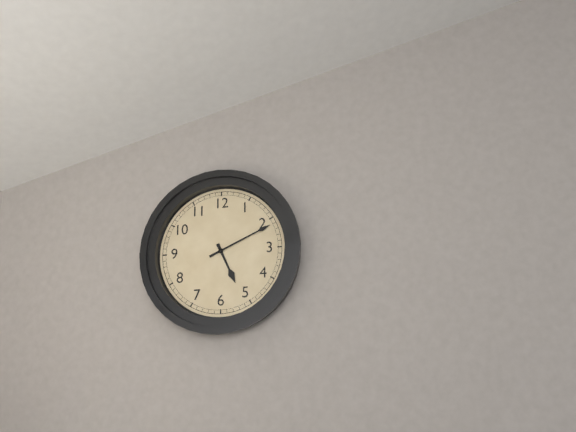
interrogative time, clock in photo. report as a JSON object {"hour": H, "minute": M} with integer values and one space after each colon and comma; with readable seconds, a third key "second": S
{"hour": 5, "minute": 11}
